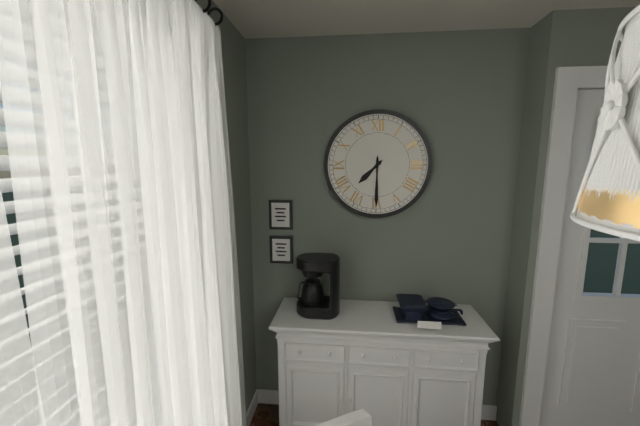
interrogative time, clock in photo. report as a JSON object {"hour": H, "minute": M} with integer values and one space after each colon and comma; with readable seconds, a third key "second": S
{"hour": 7, "minute": 30}
